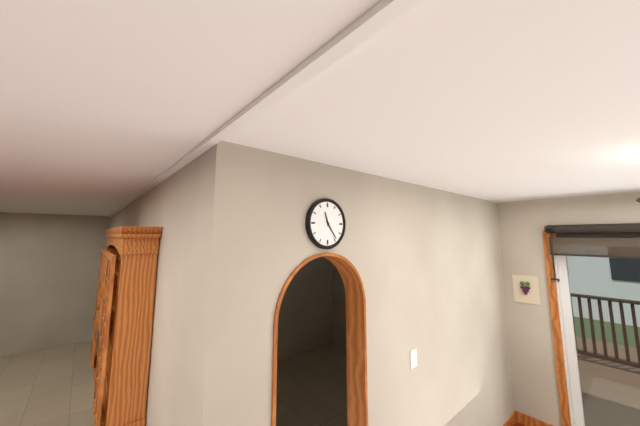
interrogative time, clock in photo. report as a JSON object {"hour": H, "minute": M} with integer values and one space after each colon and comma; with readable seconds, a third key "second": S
{"hour": 11, "minute": 24}
